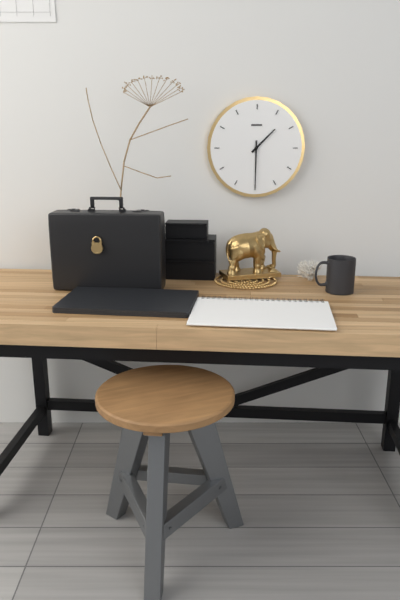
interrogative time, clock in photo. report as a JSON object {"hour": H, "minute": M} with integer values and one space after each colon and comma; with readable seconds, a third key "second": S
{"hour": 1, "minute": 30}
